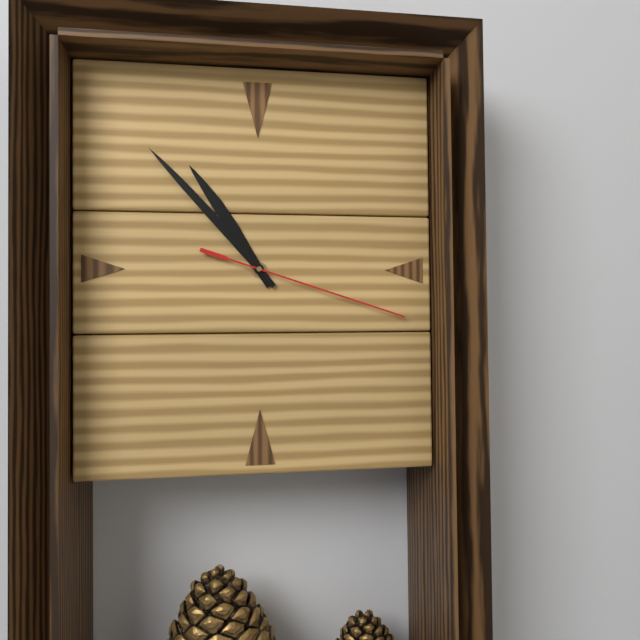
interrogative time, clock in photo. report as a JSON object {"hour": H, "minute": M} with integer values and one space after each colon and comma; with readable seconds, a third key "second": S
{"hour": 10, "minute": 53, "second": 18}
